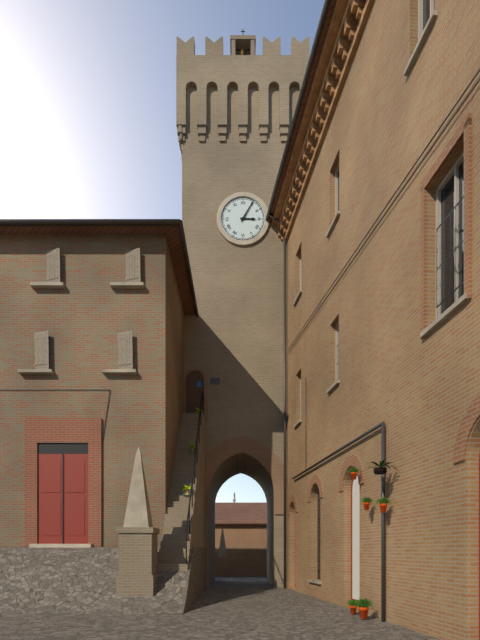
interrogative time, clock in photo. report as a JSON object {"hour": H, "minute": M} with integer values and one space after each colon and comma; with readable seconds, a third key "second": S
{"hour": 3, "minute": 5}
